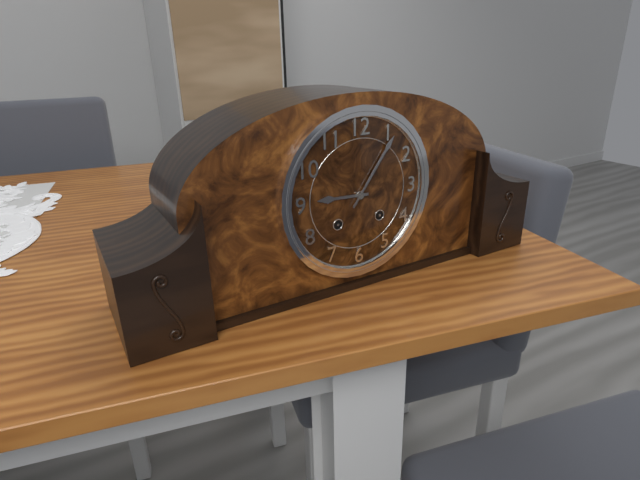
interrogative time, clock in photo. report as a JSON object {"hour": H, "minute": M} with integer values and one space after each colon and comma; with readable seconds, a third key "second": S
{"hour": 9, "minute": 6}
